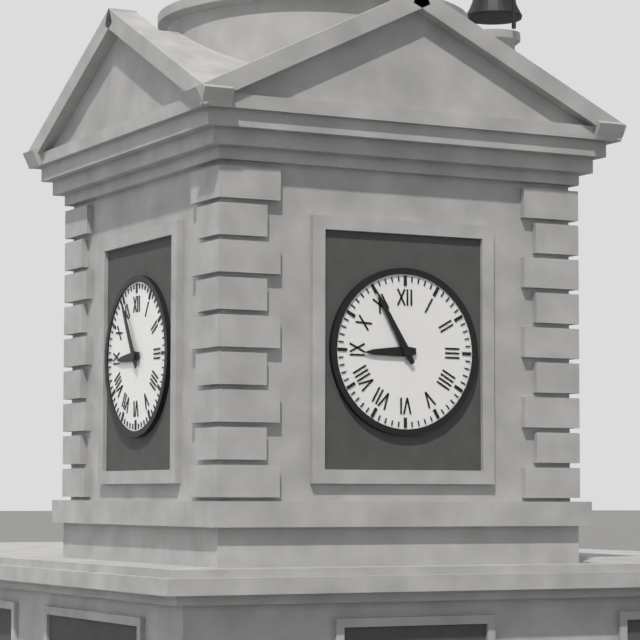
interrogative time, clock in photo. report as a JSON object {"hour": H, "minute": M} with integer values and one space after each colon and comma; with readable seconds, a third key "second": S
{"hour": 8, "minute": 55}
